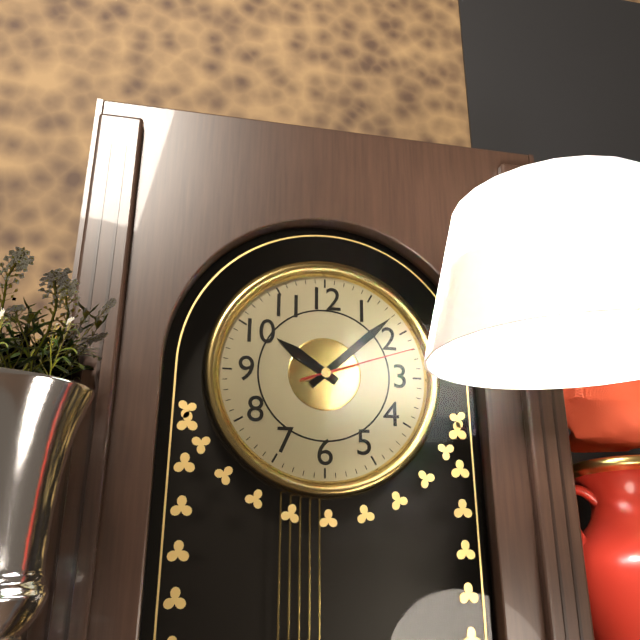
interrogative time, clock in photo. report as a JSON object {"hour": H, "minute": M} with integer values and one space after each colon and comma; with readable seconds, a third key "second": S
{"hour": 10, "minute": 8, "second": 12}
